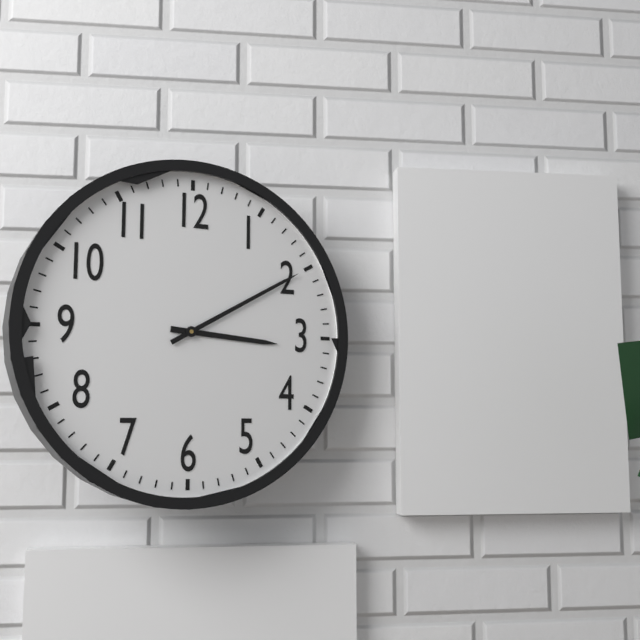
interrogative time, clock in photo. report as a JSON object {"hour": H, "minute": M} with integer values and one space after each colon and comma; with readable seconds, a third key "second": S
{"hour": 3, "minute": 10}
